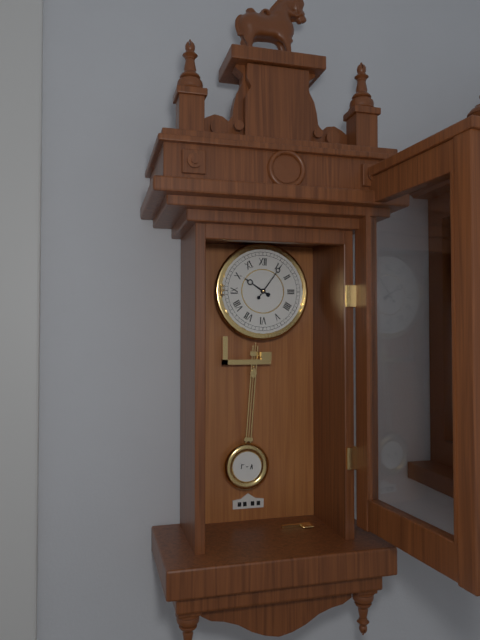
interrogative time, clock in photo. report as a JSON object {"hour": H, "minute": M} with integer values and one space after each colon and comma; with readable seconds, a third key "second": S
{"hour": 10, "minute": 6}
